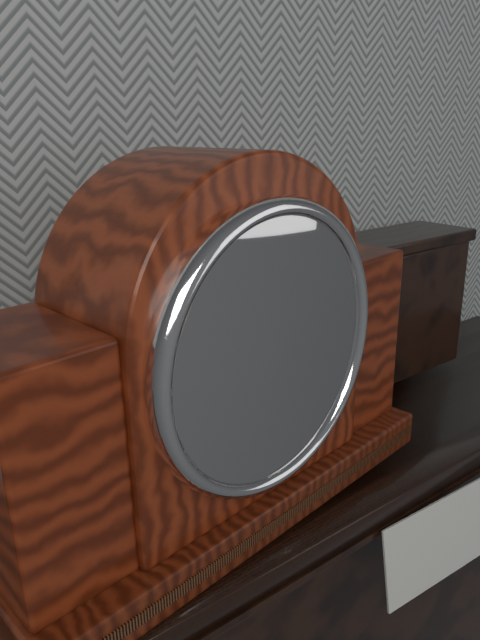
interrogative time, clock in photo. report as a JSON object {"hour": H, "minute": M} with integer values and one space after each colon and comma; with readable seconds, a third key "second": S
{"hour": 12, "minute": 46}
